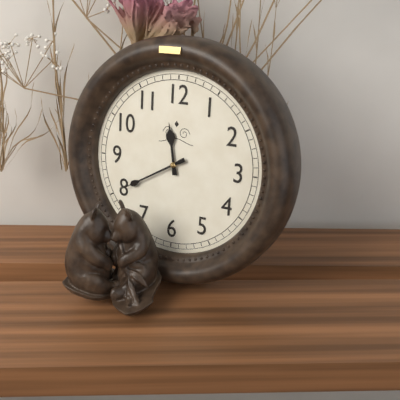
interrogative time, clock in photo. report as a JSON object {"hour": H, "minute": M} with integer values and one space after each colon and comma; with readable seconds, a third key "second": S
{"hour": 11, "minute": 40}
